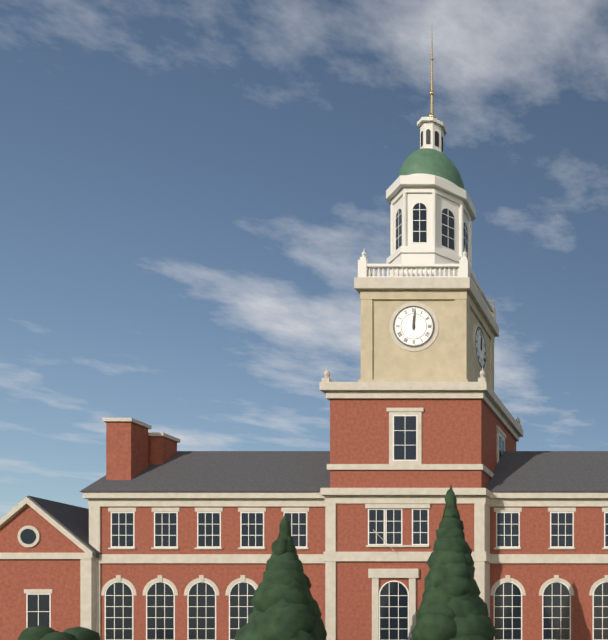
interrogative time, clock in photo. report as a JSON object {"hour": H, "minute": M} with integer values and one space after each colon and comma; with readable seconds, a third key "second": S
{"hour": 12, "minute": 1}
